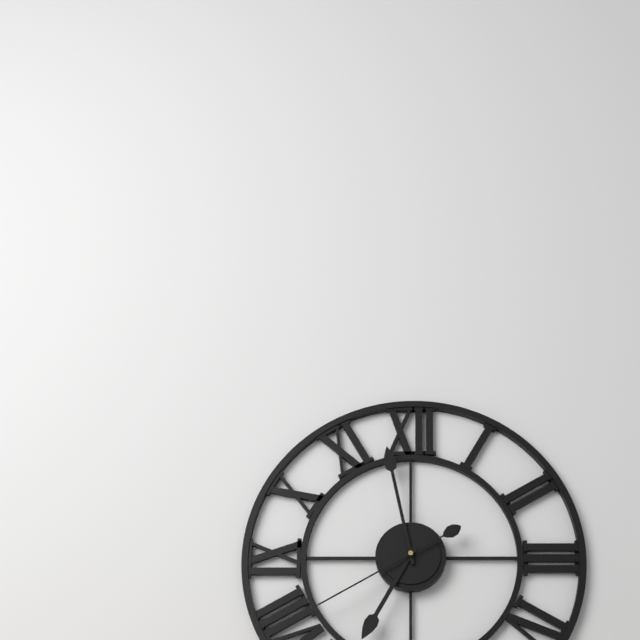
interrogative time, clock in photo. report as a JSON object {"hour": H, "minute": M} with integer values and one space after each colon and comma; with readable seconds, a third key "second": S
{"hour": 6, "minute": 58, "second": 40}
